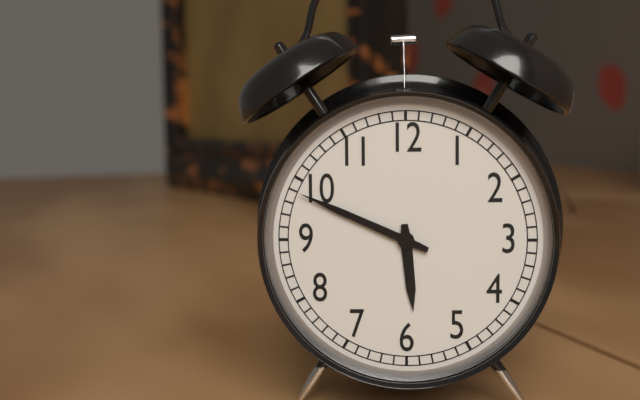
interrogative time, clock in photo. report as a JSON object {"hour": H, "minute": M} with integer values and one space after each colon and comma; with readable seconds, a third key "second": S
{"hour": 5, "minute": 49}
